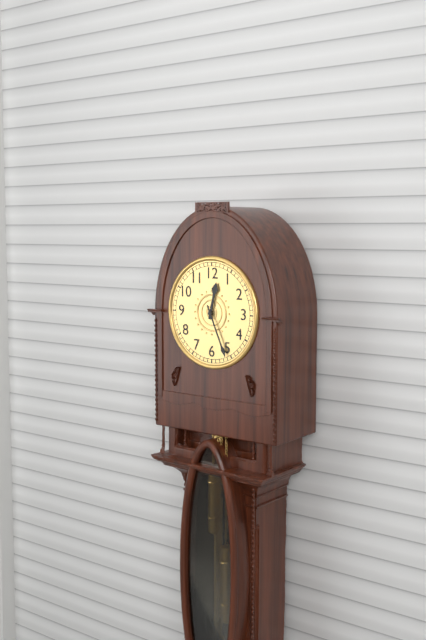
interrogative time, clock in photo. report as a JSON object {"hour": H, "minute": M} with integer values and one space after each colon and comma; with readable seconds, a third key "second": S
{"hour": 12, "minute": 26}
